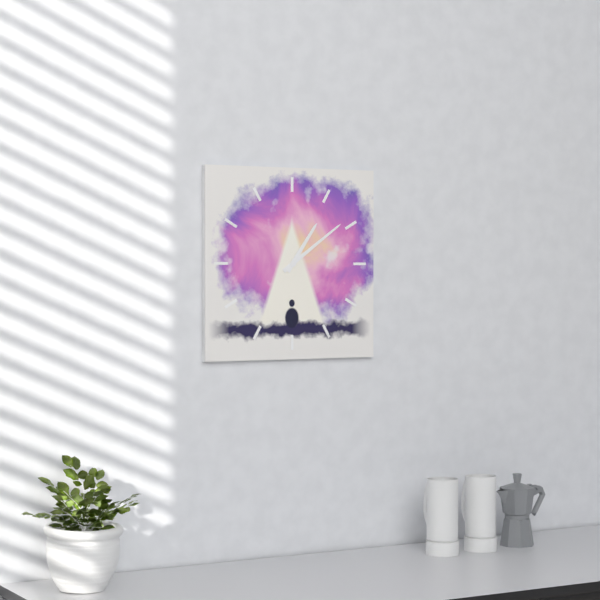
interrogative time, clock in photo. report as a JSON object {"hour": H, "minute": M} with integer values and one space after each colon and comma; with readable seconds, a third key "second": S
{"hour": 1, "minute": 9}
